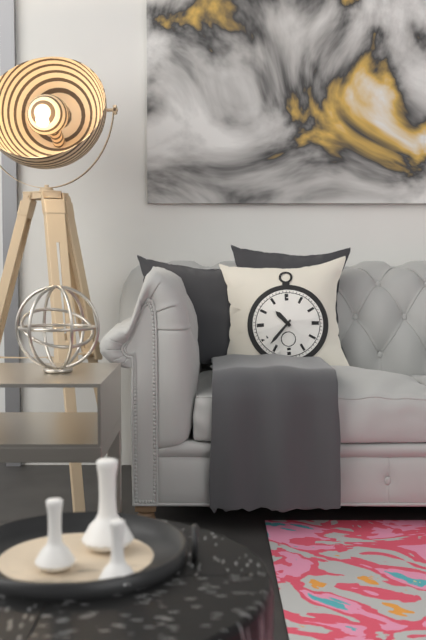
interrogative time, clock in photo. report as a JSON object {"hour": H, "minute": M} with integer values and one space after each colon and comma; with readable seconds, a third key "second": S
{"hour": 10, "minute": 37}
